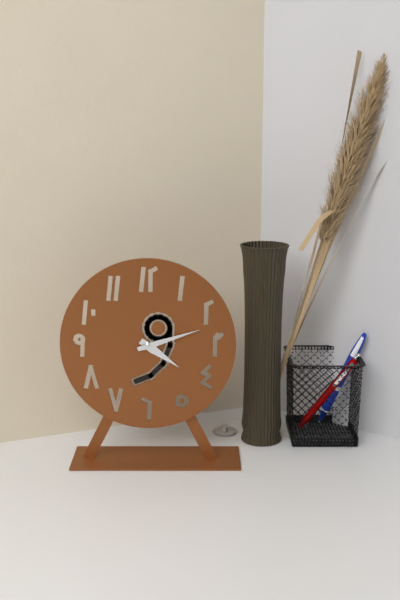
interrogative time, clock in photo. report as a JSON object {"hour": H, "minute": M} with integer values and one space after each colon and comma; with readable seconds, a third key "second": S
{"hour": 4, "minute": 12}
